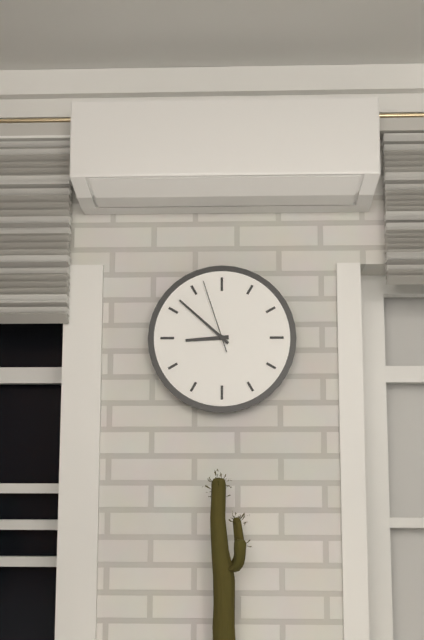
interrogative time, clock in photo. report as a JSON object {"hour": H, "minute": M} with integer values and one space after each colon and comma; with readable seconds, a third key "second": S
{"hour": 8, "minute": 52, "second": 57}
